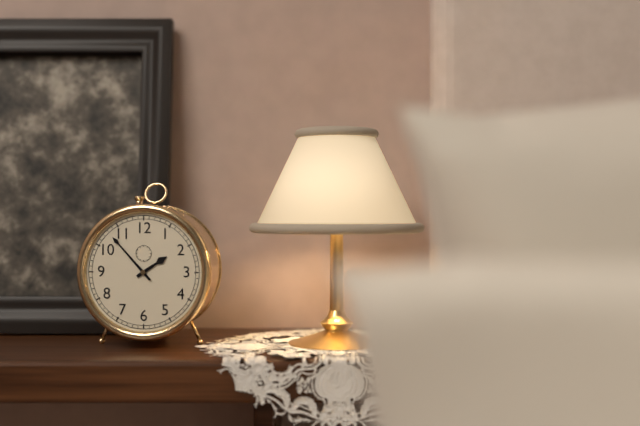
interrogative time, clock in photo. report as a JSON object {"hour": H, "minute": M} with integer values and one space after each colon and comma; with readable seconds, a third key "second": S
{"hour": 1, "minute": 53}
